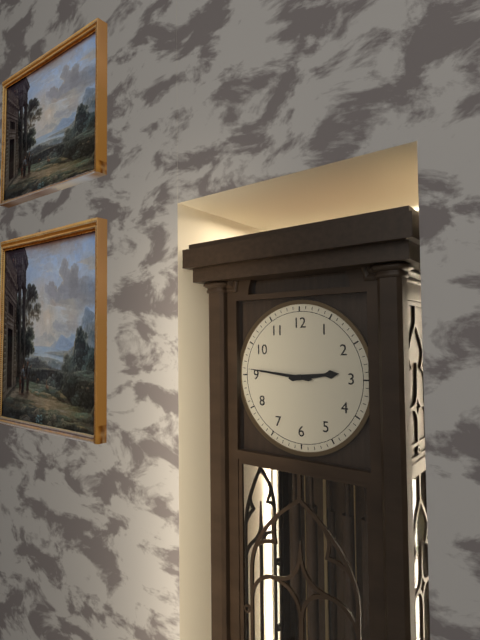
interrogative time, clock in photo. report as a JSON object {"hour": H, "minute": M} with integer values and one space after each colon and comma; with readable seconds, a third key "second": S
{"hour": 2, "minute": 46}
